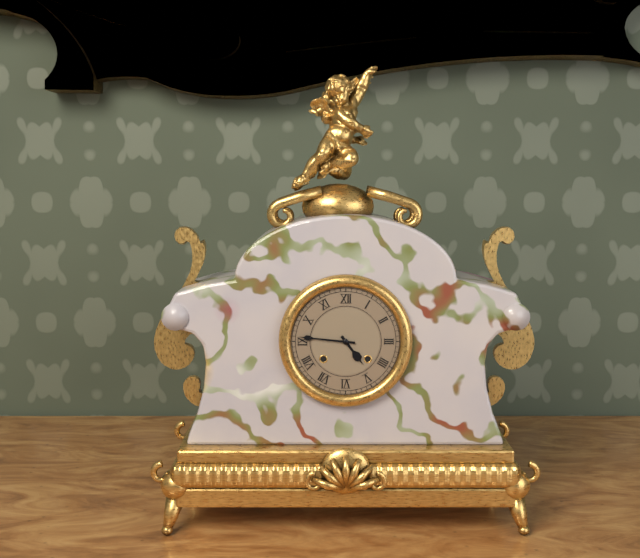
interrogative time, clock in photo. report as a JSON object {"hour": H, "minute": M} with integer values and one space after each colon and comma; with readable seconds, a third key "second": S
{"hour": 4, "minute": 46}
